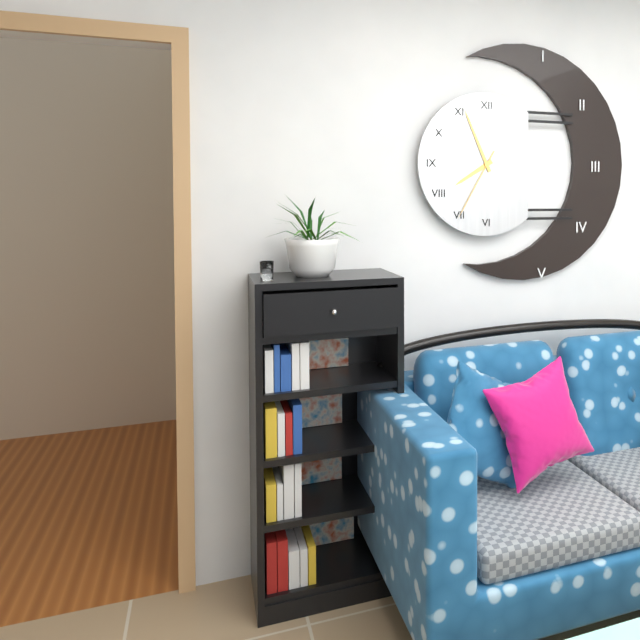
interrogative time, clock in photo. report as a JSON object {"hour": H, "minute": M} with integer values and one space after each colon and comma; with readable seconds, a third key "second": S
{"hour": 7, "minute": 56, "second": 35}
